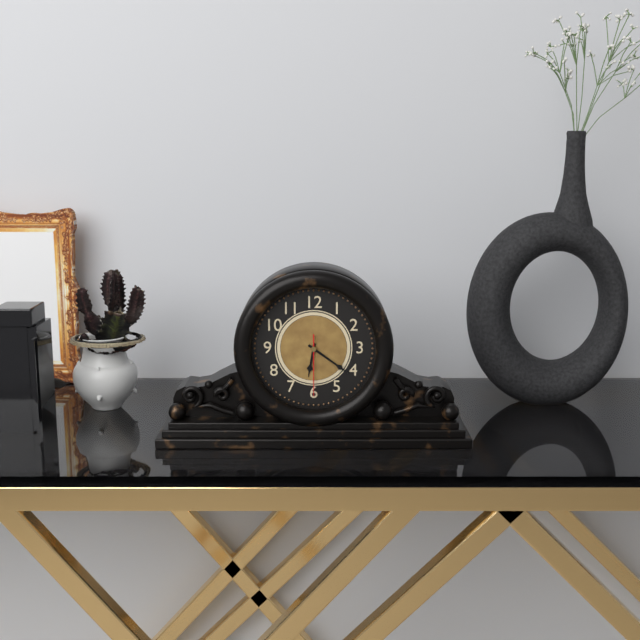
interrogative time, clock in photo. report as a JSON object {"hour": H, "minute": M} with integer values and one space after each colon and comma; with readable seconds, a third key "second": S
{"hour": 6, "minute": 21, "second": 30}
